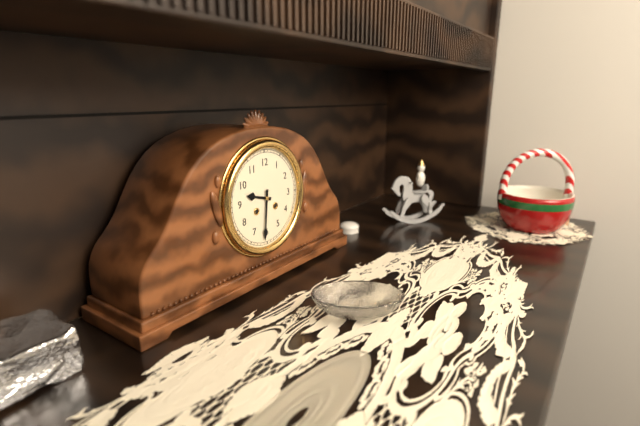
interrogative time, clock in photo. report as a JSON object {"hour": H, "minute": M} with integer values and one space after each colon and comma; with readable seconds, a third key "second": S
{"hour": 9, "minute": 31}
